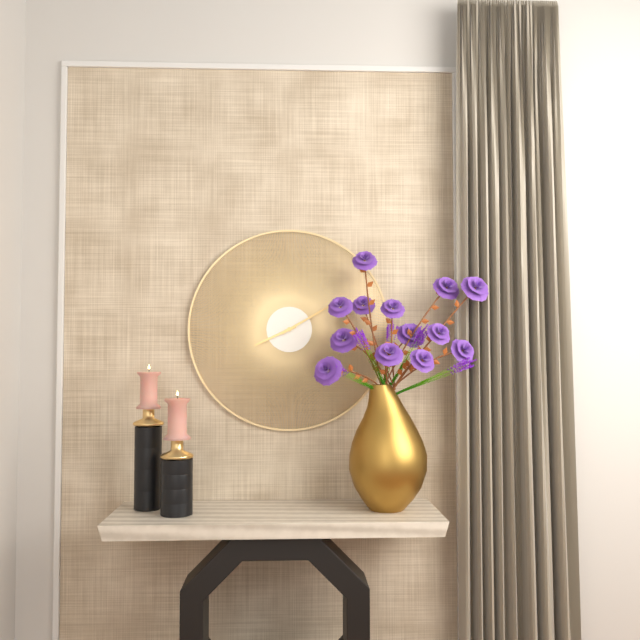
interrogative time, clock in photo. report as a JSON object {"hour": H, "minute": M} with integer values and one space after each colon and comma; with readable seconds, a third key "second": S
{"hour": 8, "minute": 10}
